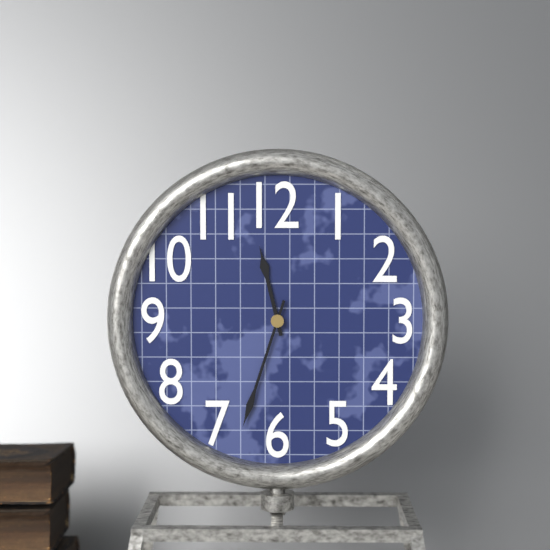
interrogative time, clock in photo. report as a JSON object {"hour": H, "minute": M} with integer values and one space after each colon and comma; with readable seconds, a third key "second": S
{"hour": 11, "minute": 33}
